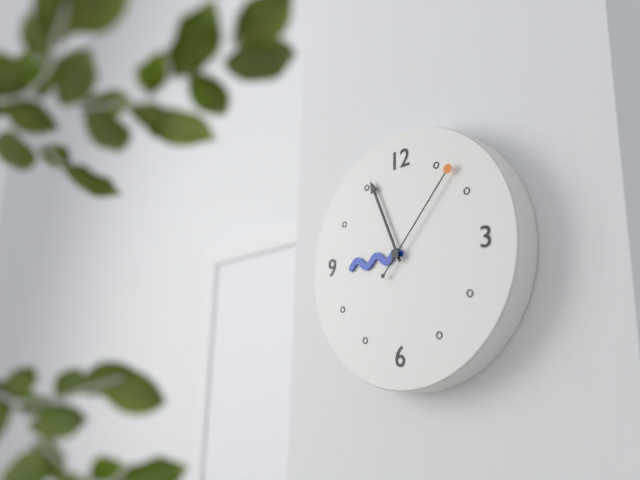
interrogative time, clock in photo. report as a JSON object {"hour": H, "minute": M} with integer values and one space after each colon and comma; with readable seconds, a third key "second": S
{"hour": 8, "minute": 56, "second": 7}
